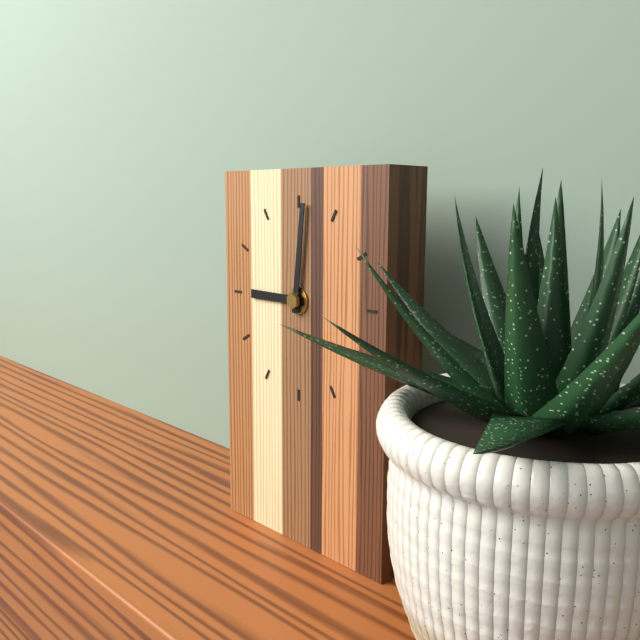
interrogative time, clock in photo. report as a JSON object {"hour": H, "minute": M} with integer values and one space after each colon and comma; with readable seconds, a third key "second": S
{"hour": 9, "minute": 1}
